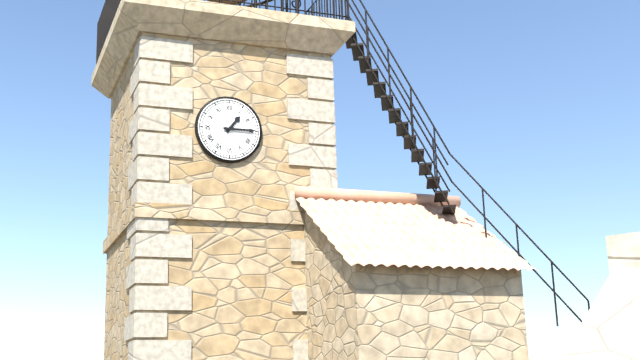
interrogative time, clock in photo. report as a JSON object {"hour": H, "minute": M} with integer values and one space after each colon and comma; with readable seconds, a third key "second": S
{"hour": 1, "minute": 15}
